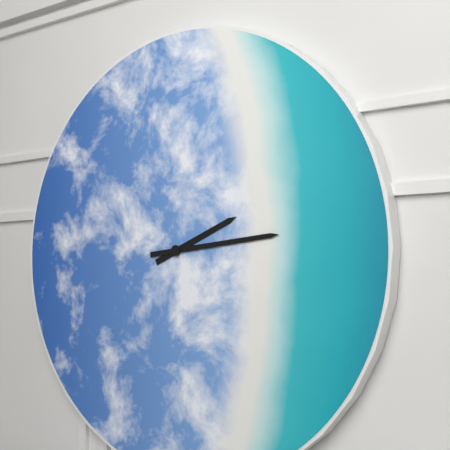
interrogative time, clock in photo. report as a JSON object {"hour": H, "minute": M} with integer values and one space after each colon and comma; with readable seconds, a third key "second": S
{"hour": 2, "minute": 14}
